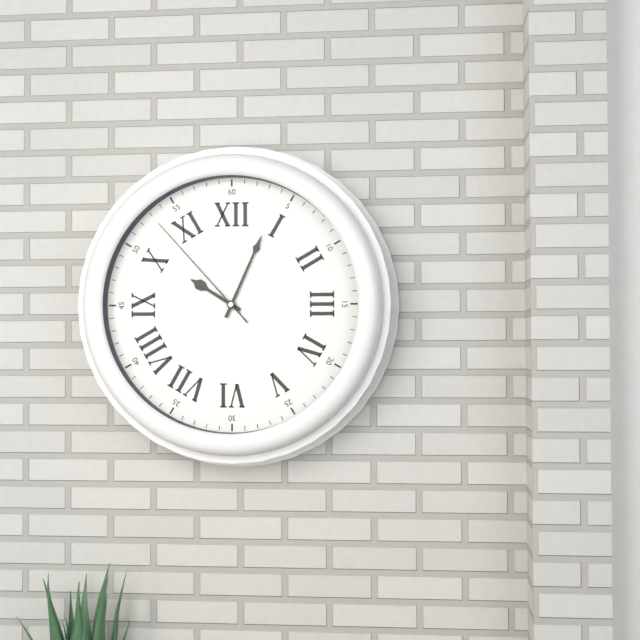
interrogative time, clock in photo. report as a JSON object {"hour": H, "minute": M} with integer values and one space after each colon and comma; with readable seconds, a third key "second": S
{"hour": 10, "minute": 4, "second": 53}
